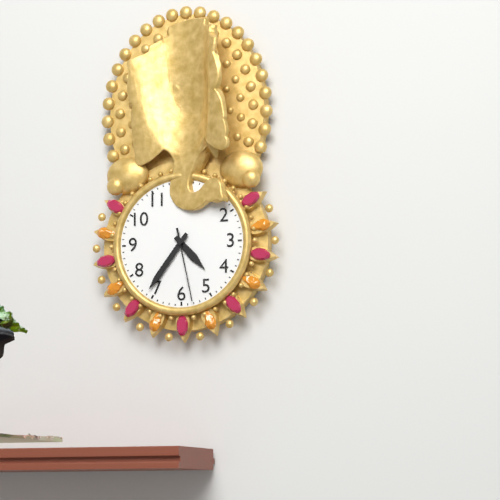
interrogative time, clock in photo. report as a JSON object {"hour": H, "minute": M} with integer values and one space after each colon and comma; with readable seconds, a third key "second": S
{"hour": 4, "minute": 36, "second": 28}
